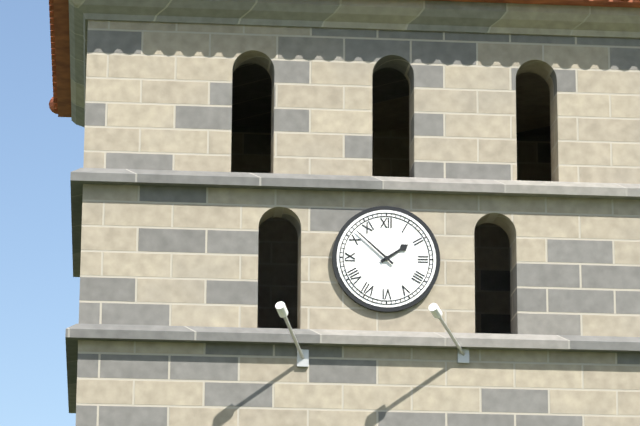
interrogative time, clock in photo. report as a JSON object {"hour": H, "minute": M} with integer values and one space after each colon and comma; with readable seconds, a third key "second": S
{"hour": 1, "minute": 52}
